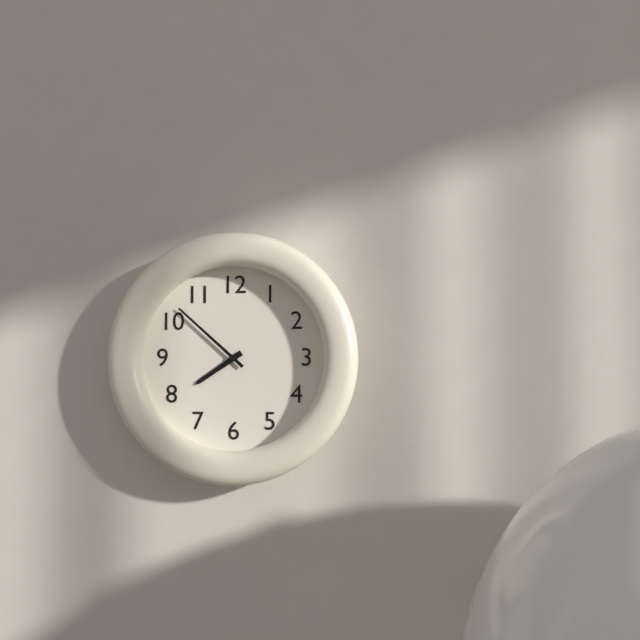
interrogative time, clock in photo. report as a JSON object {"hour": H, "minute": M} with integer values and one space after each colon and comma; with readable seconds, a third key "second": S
{"hour": 7, "minute": 52}
